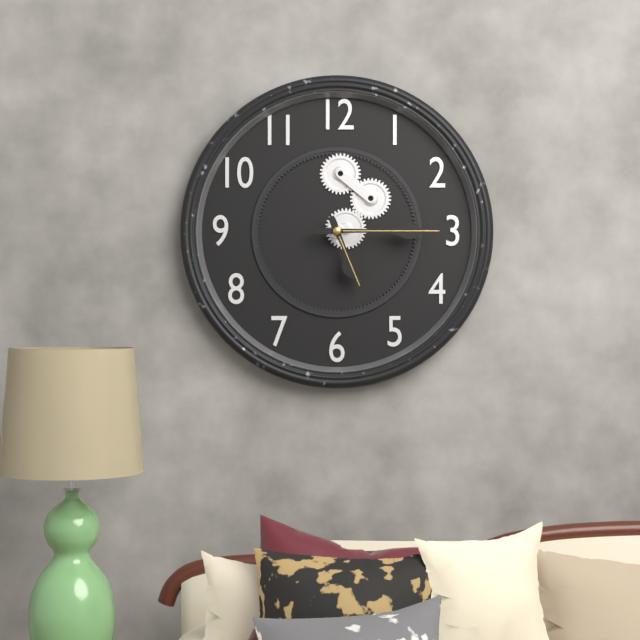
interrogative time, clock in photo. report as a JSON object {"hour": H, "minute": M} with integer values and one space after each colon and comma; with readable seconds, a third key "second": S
{"hour": 5, "minute": 15}
